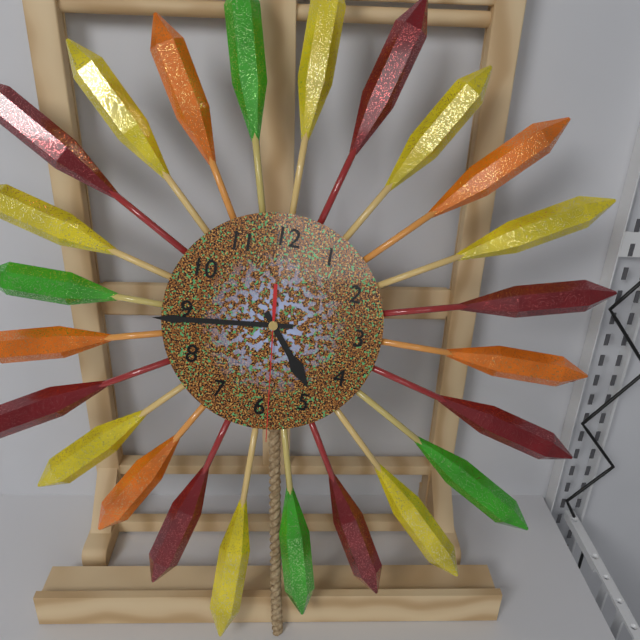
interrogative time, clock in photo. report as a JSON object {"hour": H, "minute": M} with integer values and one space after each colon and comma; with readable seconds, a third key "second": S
{"hour": 4, "minute": 44, "second": 29}
